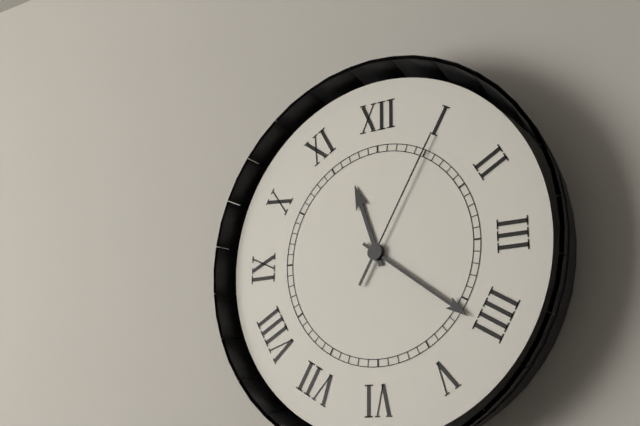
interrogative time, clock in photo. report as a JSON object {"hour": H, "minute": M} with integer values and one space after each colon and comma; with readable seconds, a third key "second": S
{"hour": 11, "minute": 21, "second": 5}
